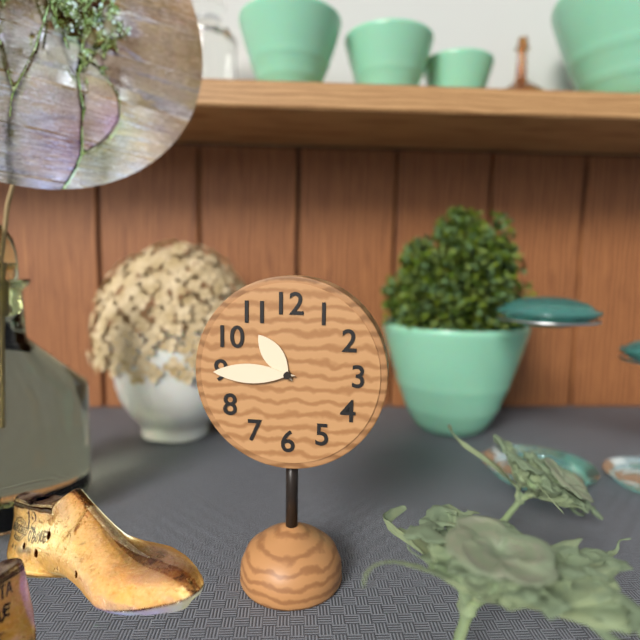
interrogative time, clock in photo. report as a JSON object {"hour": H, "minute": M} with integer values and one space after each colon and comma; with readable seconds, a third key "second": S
{"hour": 10, "minute": 45}
